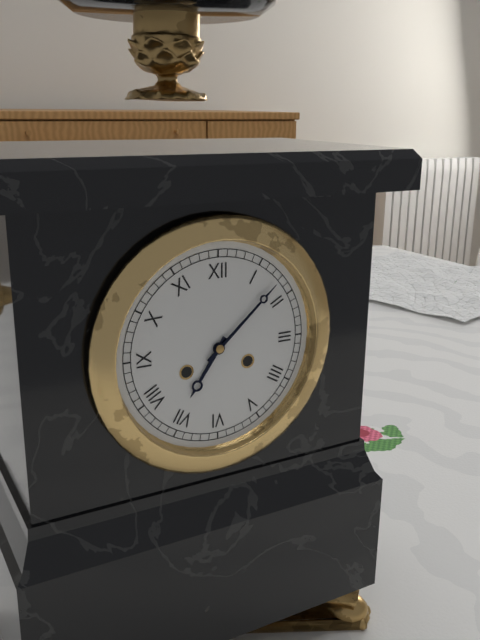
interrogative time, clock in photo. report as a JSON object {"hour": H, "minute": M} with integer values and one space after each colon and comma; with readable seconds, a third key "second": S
{"hour": 7, "minute": 8}
